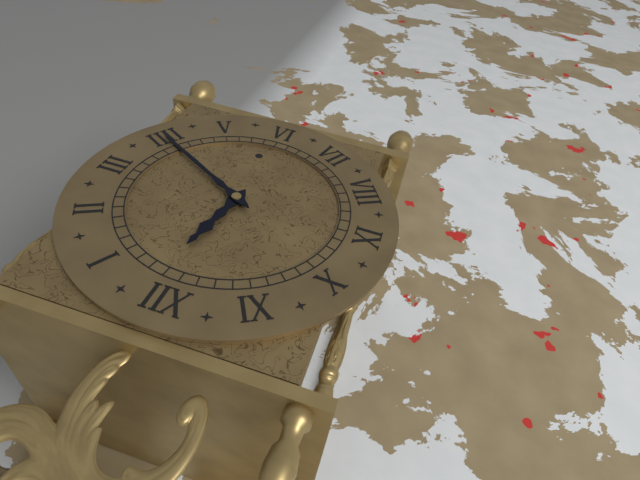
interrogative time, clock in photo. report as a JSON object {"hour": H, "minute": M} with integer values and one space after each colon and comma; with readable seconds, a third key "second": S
{"hour": 12, "minute": 20}
